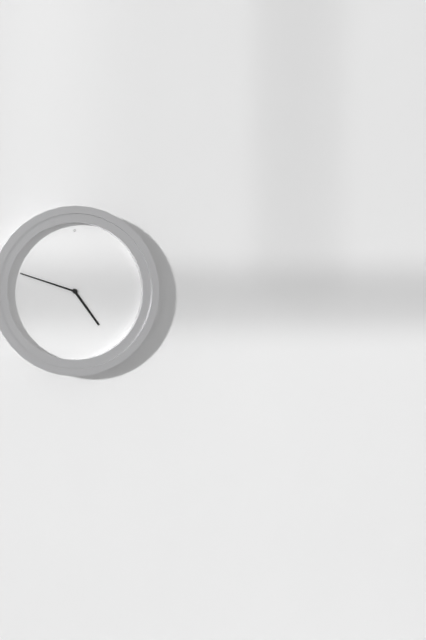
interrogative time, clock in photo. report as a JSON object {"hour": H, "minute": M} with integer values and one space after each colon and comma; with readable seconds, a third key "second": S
{"hour": 4, "minute": 48}
